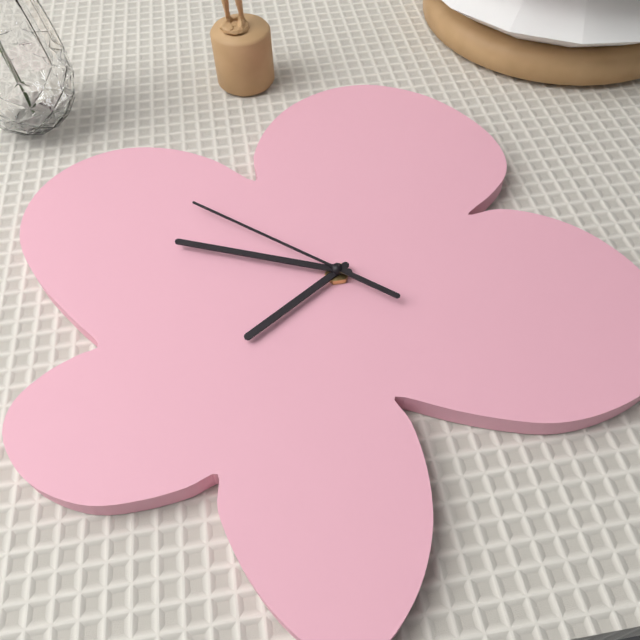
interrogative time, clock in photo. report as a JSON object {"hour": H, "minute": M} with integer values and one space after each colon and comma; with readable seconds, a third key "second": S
{"hour": 8, "minute": 54, "second": 57}
